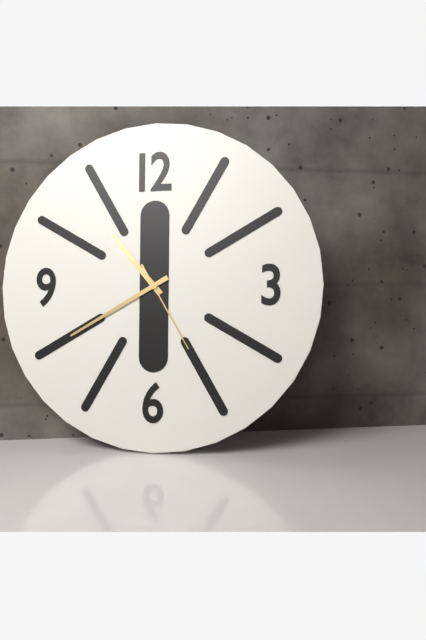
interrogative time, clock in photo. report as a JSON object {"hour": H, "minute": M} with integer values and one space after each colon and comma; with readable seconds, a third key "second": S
{"hour": 10, "minute": 40, "second": 25}
